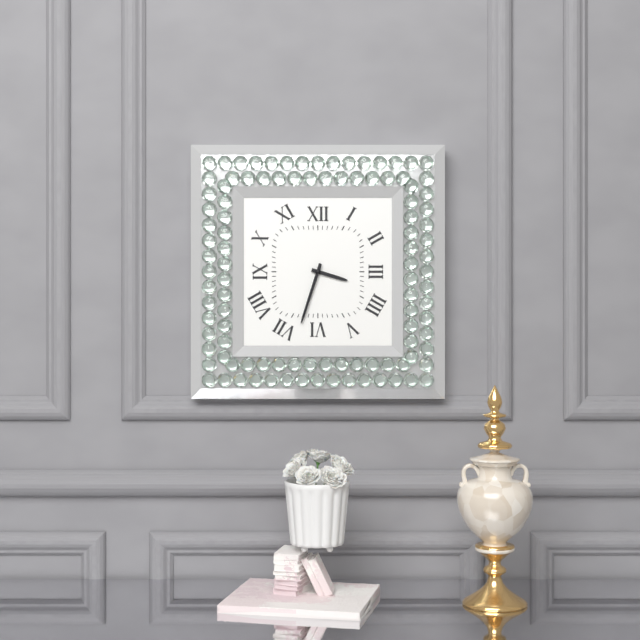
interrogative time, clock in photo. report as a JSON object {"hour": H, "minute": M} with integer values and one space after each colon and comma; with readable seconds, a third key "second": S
{"hour": 3, "minute": 33}
